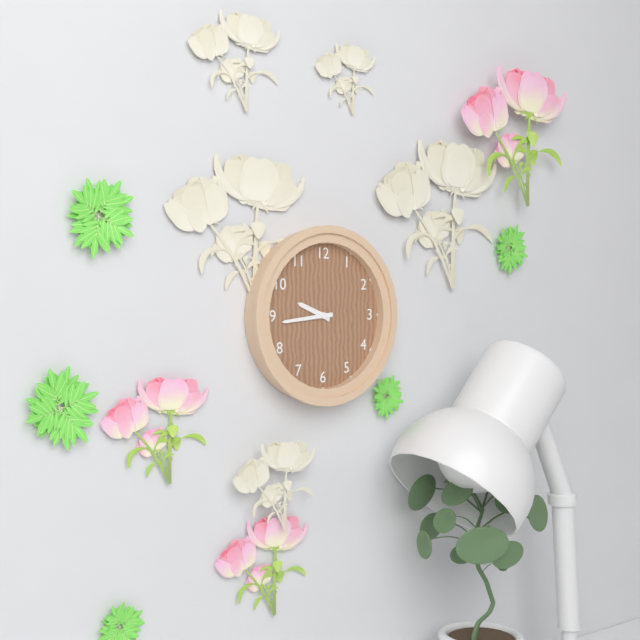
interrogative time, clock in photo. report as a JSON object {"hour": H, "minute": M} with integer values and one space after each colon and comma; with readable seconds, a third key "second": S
{"hour": 9, "minute": 44}
